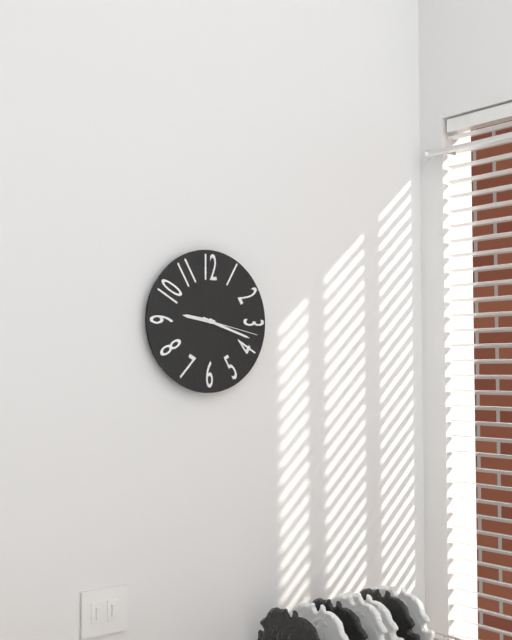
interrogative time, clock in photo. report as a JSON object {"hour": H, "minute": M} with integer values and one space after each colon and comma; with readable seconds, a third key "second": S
{"hour": 9, "minute": 18, "second": 17}
